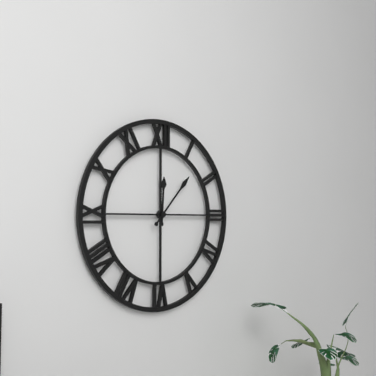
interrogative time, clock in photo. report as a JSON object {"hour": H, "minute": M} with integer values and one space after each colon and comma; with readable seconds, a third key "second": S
{"hour": 12, "minute": 7}
